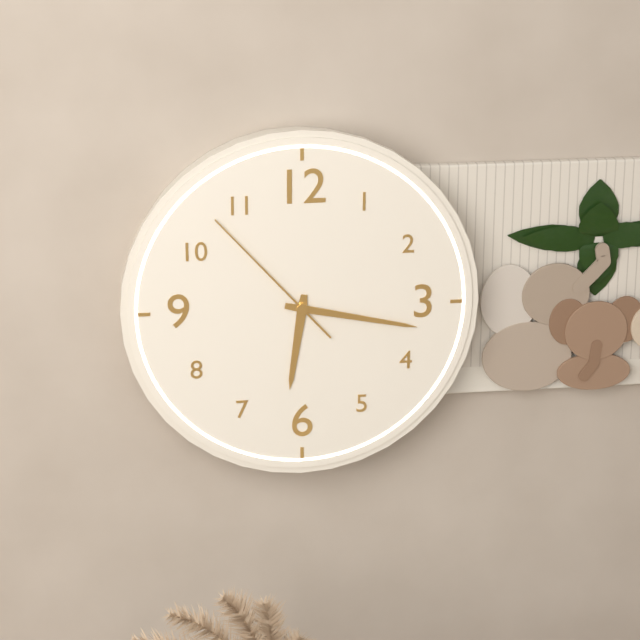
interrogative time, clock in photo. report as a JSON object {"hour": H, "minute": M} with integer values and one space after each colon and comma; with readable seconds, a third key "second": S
{"hour": 6, "minute": 17, "second": 53}
